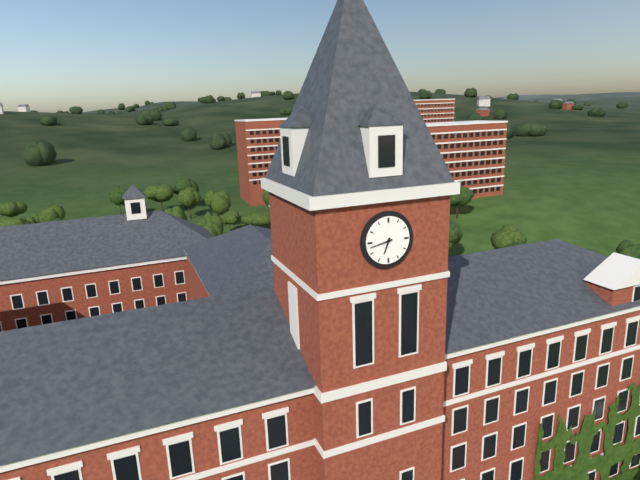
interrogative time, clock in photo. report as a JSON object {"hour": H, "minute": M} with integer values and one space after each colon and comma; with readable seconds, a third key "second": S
{"hour": 6, "minute": 43}
